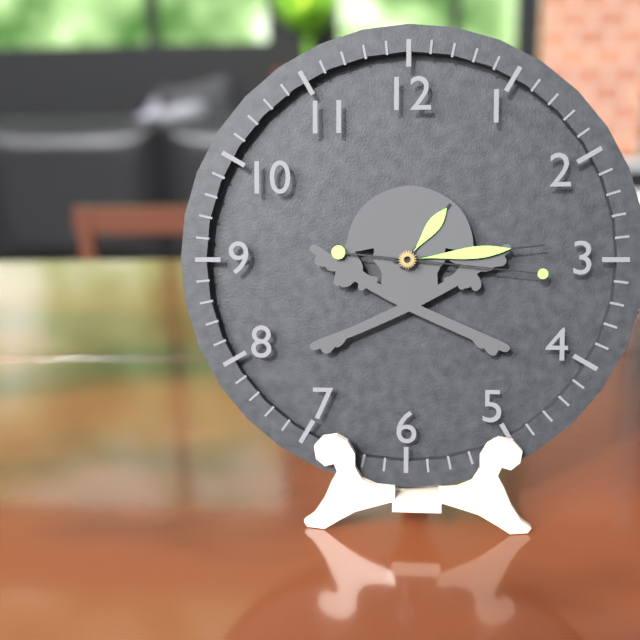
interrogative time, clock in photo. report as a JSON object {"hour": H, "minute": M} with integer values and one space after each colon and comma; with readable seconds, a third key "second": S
{"hour": 1, "minute": 14, "second": 16}
